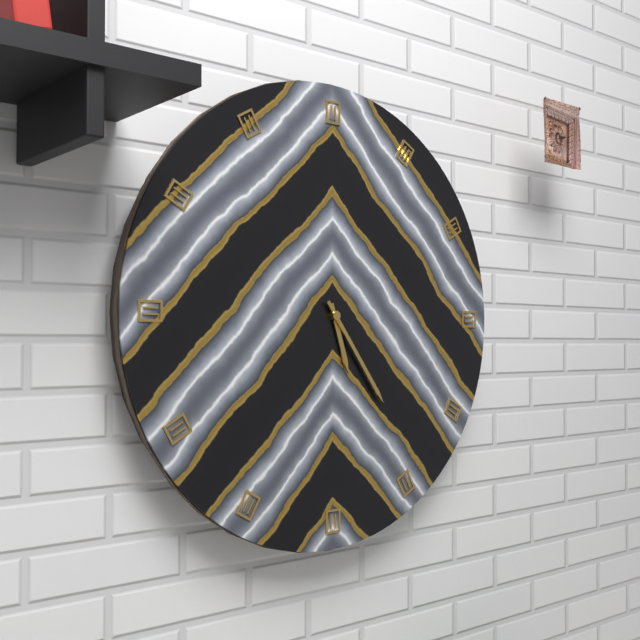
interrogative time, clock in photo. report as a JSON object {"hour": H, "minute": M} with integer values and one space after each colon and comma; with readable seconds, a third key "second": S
{"hour": 5, "minute": 24}
